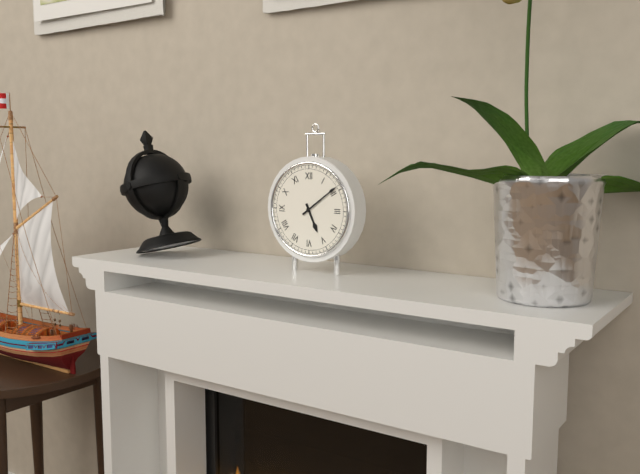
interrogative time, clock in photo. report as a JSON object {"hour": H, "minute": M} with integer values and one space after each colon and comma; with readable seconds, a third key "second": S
{"hour": 5, "minute": 9}
